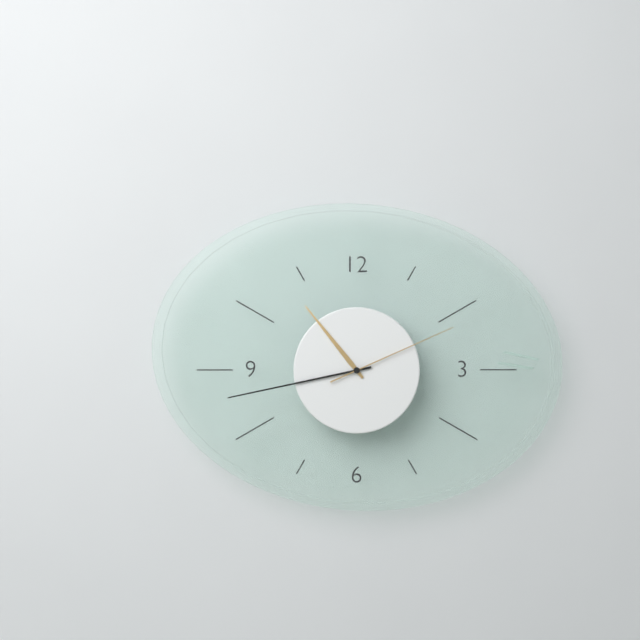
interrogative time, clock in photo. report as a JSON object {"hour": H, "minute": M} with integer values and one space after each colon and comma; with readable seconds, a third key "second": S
{"hour": 10, "minute": 43, "second": 11}
